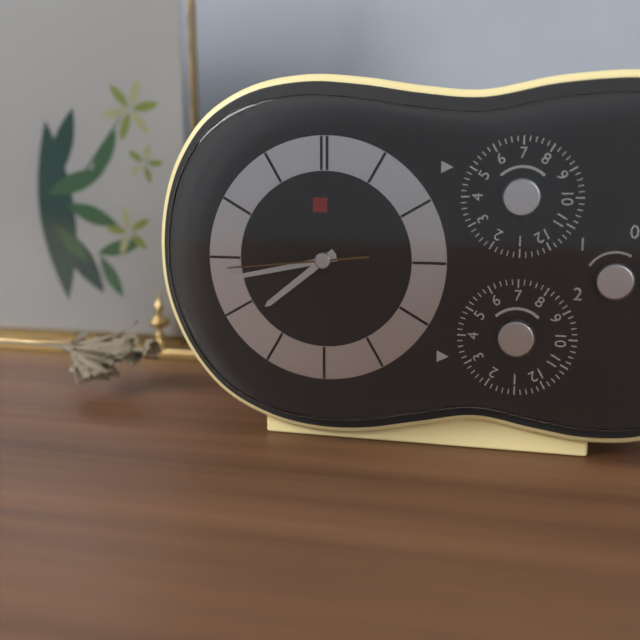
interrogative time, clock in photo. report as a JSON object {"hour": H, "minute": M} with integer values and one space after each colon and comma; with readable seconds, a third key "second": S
{"hour": 7, "minute": 43, "second": 44}
